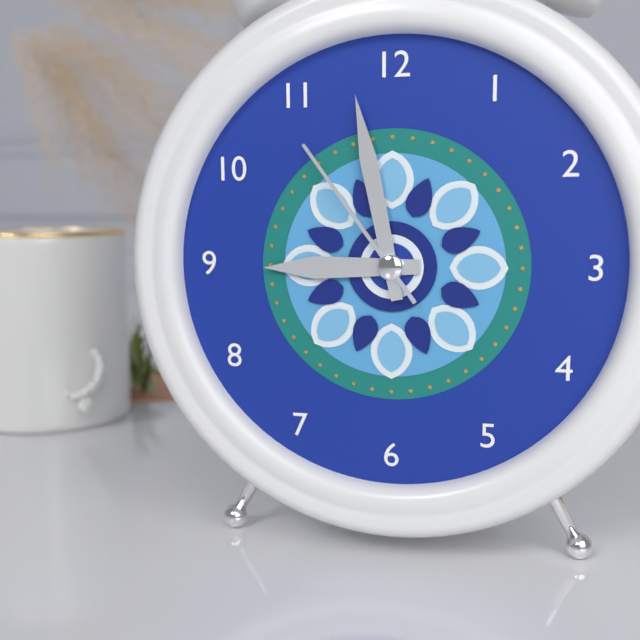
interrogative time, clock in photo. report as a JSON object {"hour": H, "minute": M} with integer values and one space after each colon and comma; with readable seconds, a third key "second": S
{"hour": 8, "minute": 58, "second": 54}
